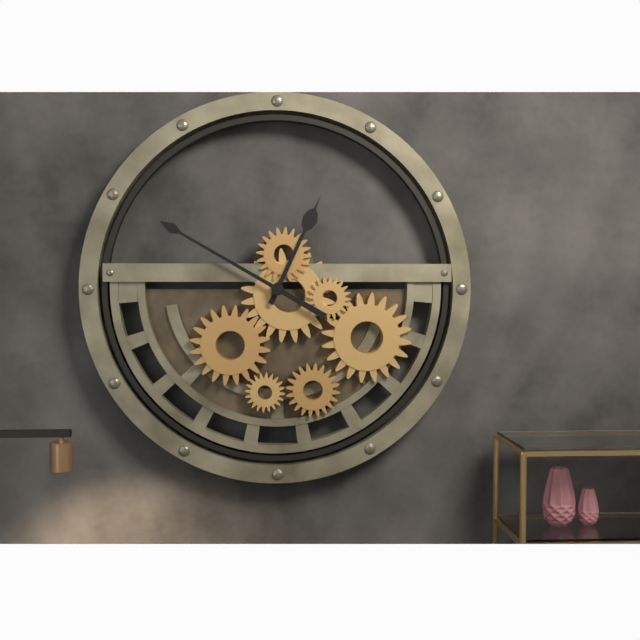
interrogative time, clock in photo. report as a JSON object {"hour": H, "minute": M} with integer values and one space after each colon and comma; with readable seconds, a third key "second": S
{"hour": 12, "minute": 50}
